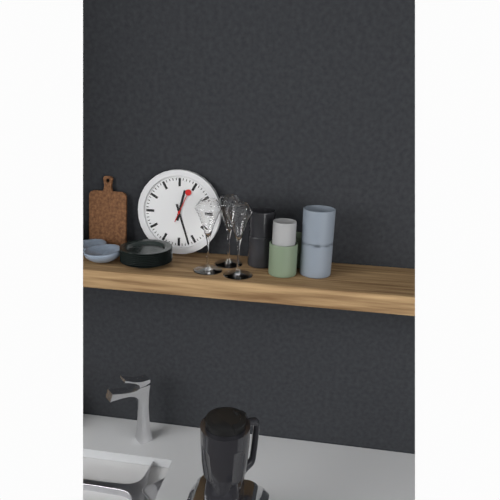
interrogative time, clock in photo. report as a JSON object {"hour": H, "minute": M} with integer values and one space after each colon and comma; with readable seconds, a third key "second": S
{"hour": 12, "minute": 27}
